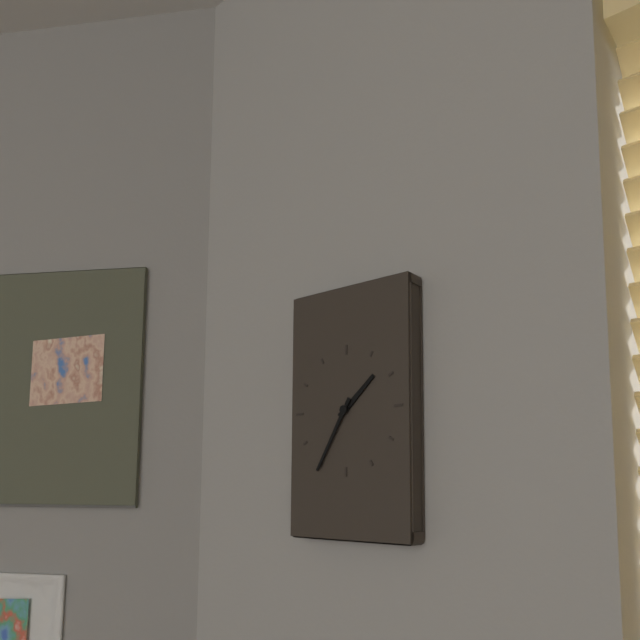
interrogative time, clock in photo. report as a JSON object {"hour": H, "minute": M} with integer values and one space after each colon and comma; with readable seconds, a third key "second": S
{"hour": 1, "minute": 35}
